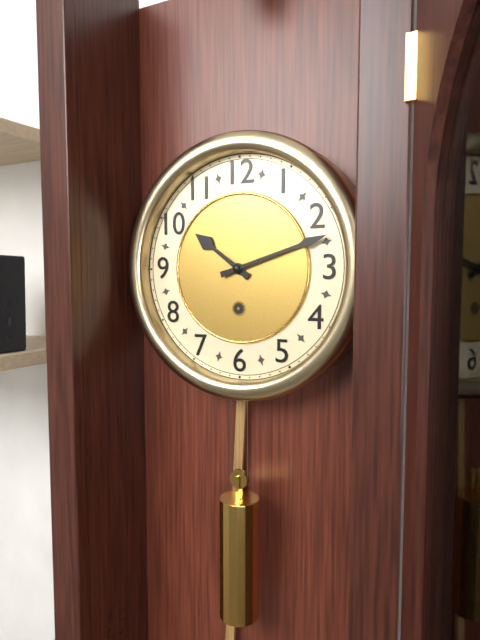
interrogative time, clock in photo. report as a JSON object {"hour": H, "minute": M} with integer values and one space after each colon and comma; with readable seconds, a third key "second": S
{"hour": 10, "minute": 12}
